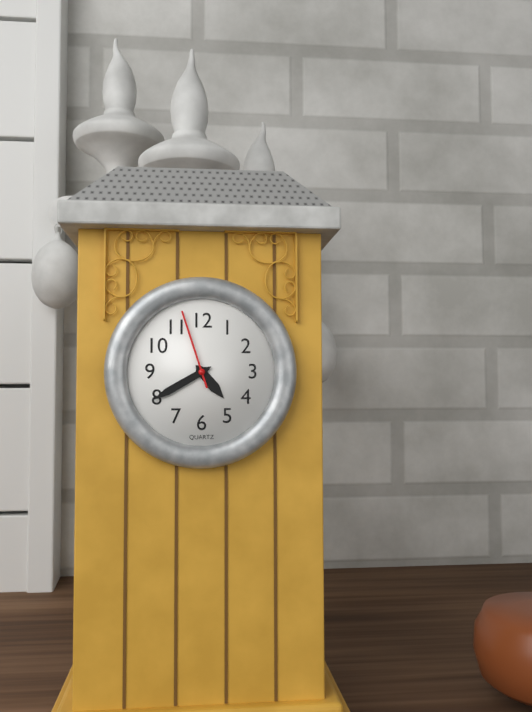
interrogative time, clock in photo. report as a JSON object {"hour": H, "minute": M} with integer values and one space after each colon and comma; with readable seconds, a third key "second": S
{"hour": 4, "minute": 40, "second": 57}
